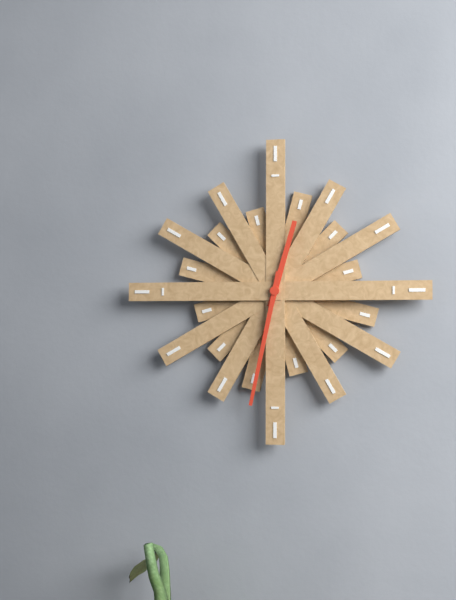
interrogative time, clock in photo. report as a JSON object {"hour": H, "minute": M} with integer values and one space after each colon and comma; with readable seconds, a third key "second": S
{"hour": 12, "minute": 32}
